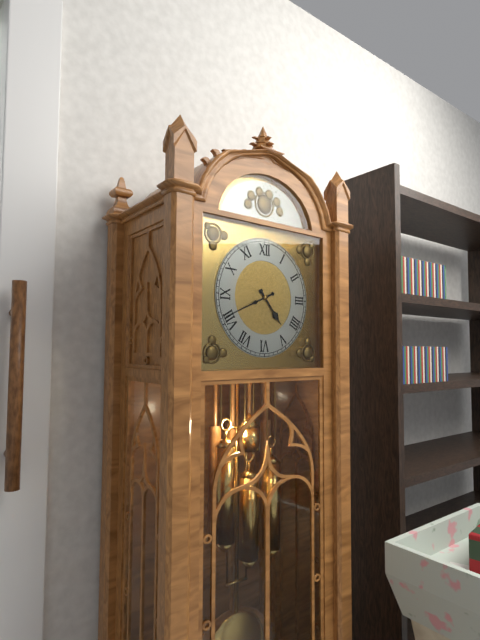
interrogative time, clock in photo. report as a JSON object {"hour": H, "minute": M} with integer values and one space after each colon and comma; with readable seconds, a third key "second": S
{"hour": 4, "minute": 41}
